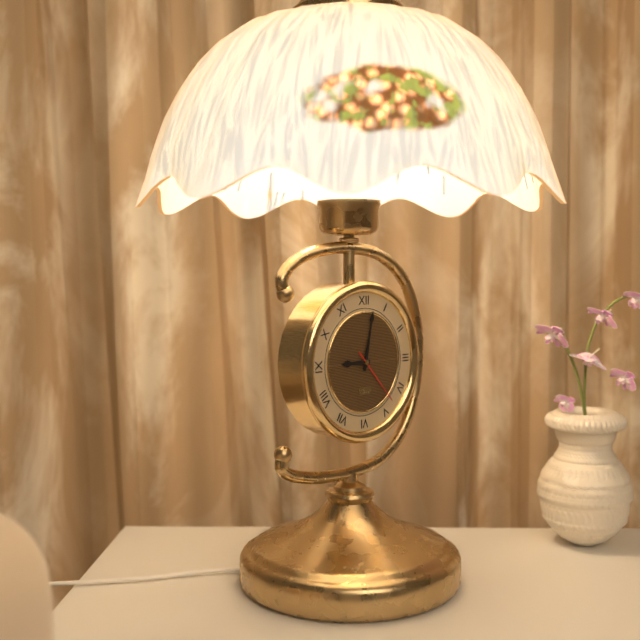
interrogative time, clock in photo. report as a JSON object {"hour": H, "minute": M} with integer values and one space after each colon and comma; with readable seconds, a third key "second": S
{"hour": 9, "minute": 2, "second": 23}
